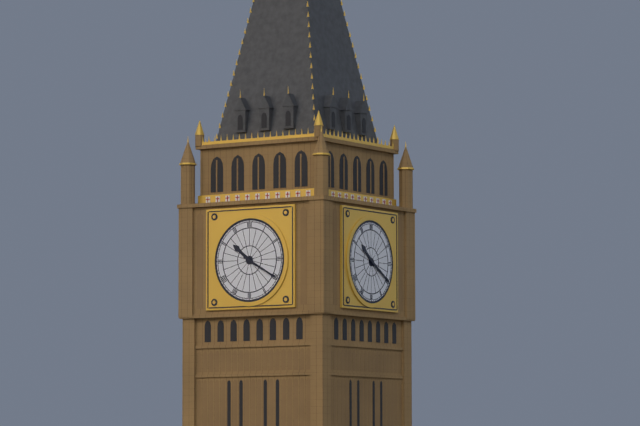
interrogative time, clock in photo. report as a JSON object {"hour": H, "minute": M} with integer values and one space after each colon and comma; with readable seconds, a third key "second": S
{"hour": 10, "minute": 20}
